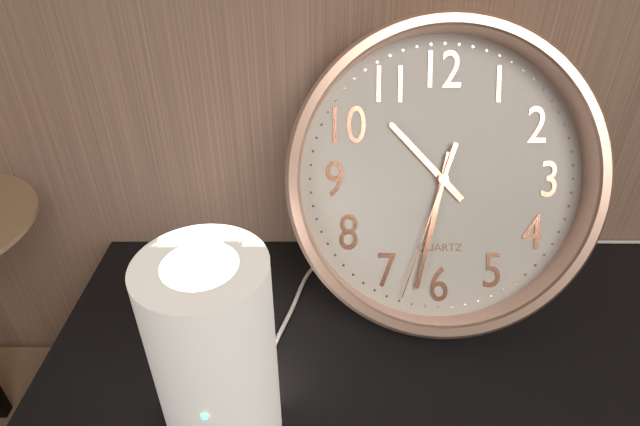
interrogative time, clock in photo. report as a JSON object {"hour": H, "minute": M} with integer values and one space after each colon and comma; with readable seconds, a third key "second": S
{"hour": 10, "minute": 32, "second": 33}
